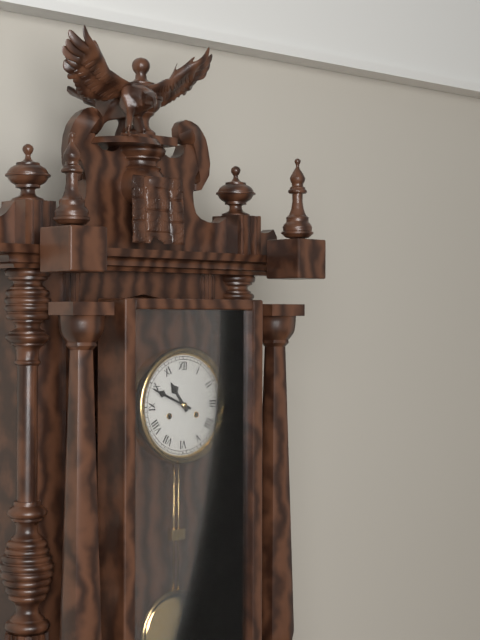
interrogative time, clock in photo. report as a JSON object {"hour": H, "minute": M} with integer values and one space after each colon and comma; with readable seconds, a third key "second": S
{"hour": 10, "minute": 49}
